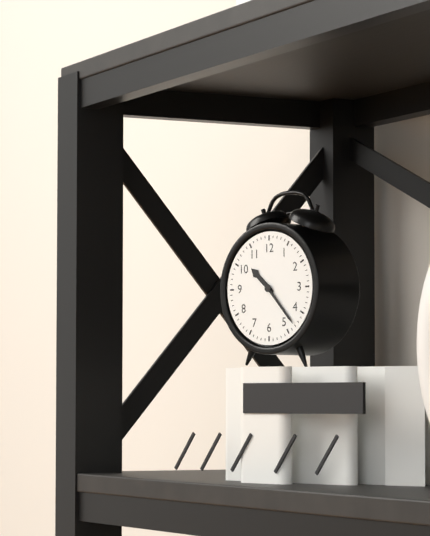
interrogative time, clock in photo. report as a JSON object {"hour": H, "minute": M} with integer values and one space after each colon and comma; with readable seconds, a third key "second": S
{"hour": 10, "minute": 23}
